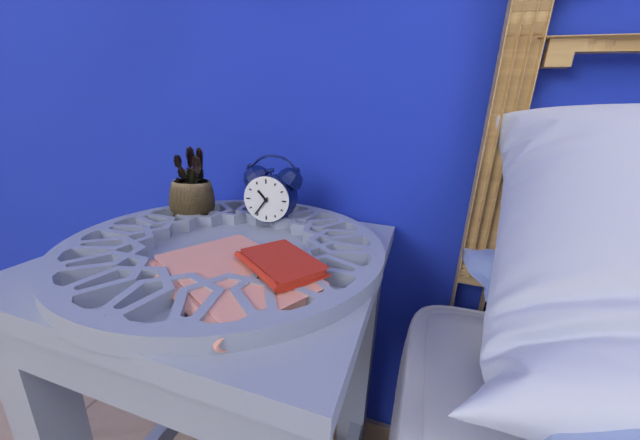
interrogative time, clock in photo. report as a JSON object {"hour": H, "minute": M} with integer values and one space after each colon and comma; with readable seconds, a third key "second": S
{"hour": 10, "minute": 36}
